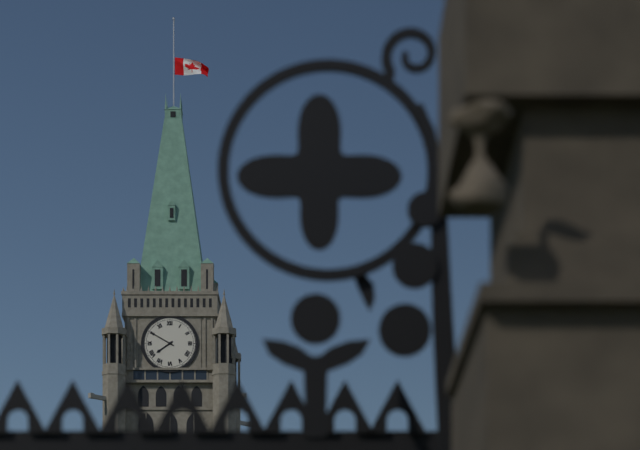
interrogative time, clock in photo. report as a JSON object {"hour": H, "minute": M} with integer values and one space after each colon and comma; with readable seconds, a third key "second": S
{"hour": 7, "minute": 50}
